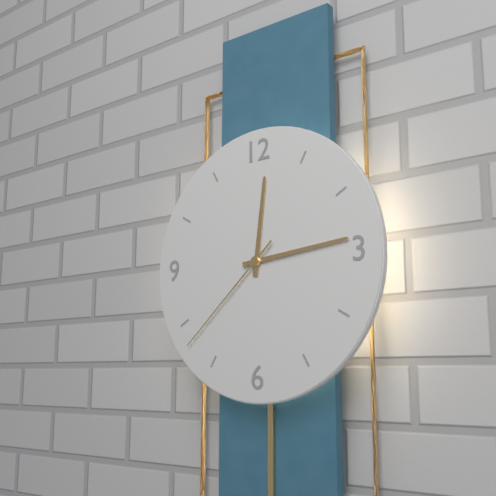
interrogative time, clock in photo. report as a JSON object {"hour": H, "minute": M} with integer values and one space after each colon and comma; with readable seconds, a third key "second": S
{"hour": 12, "minute": 14, "second": 38}
